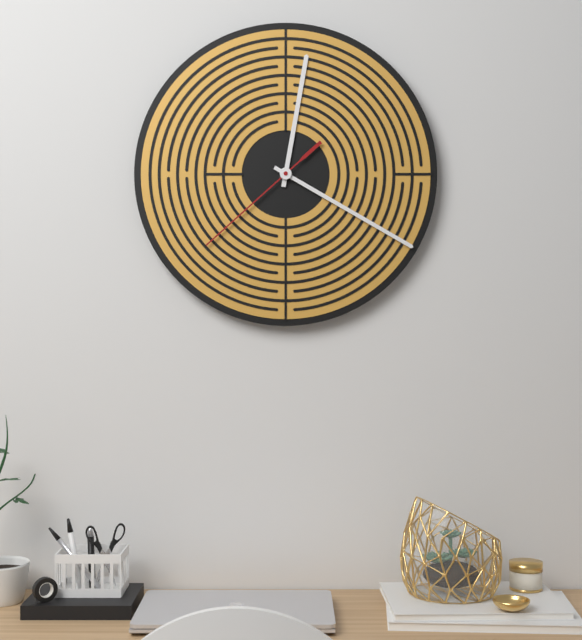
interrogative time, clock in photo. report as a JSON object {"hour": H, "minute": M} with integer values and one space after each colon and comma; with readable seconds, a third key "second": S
{"hour": 12, "minute": 20, "second": 38}
